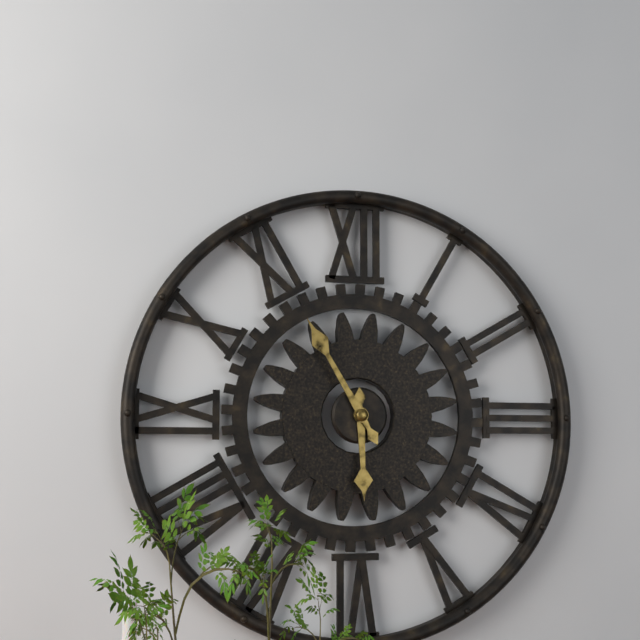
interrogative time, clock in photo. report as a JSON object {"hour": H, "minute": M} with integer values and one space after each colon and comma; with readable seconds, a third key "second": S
{"hour": 5, "minute": 55}
